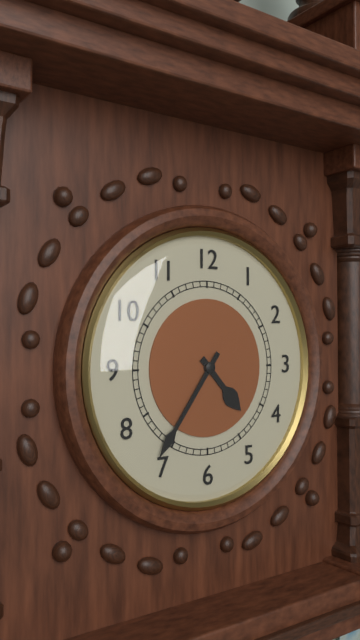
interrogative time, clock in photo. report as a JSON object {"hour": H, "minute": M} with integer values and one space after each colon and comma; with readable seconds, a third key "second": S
{"hour": 4, "minute": 36}
